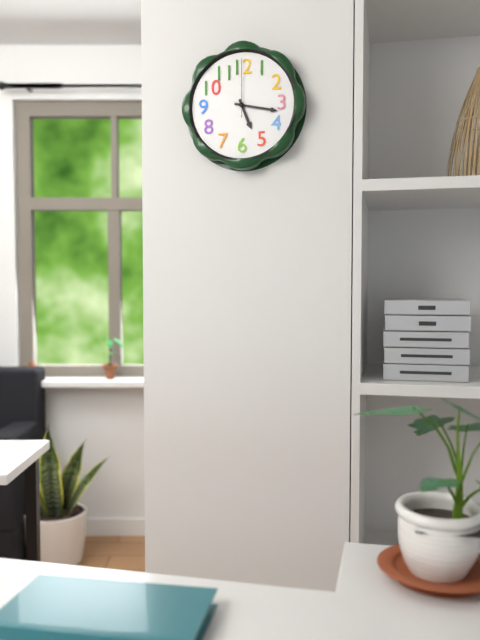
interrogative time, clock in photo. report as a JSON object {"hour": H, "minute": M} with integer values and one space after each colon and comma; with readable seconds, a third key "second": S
{"hour": 5, "minute": 17, "second": 0}
